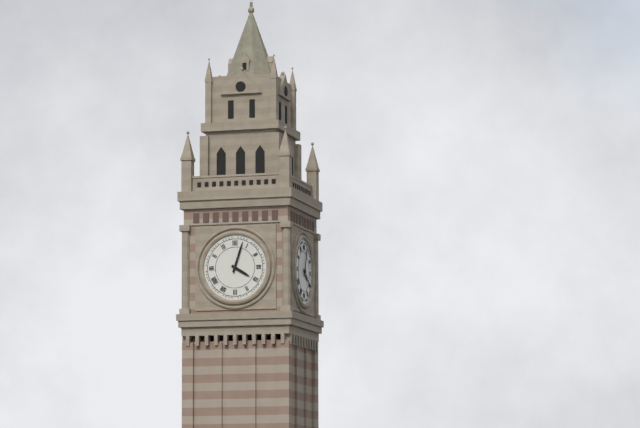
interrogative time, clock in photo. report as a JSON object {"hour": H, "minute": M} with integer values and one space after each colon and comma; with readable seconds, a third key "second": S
{"hour": 4, "minute": 3}
